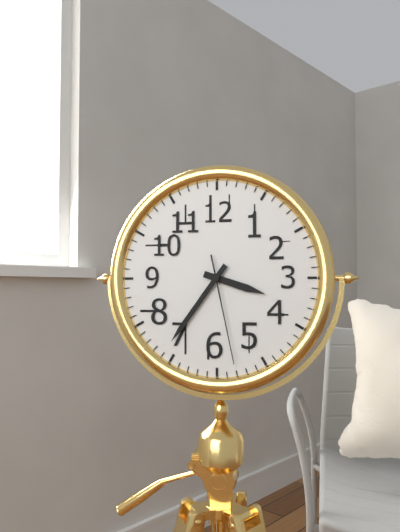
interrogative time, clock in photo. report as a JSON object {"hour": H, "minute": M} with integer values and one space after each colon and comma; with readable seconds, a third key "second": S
{"hour": 3, "minute": 36, "second": 28}
